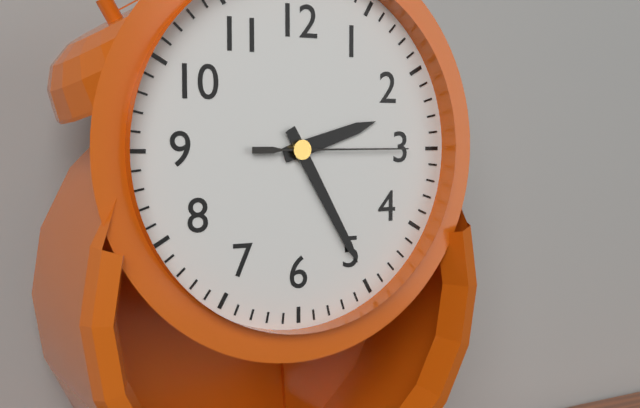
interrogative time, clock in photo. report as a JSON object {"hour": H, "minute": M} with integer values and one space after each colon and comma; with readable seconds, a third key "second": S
{"hour": 2, "minute": 25, "second": 15}
